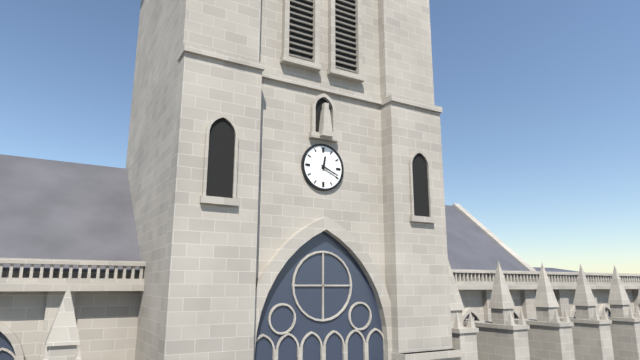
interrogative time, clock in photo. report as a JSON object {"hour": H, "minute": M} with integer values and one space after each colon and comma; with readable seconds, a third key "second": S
{"hour": 12, "minute": 19}
